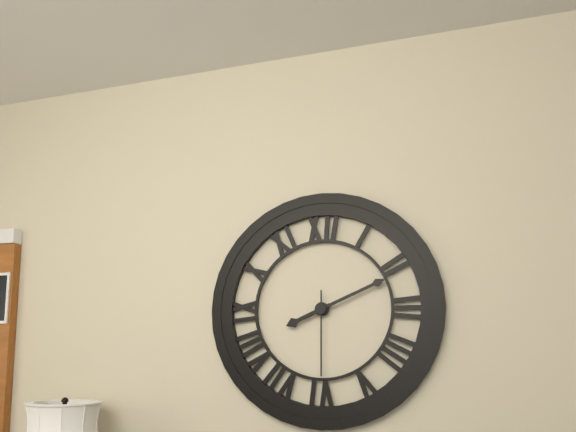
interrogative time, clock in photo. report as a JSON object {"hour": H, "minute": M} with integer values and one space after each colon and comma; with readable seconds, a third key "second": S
{"hour": 8, "minute": 11, "second": 30}
